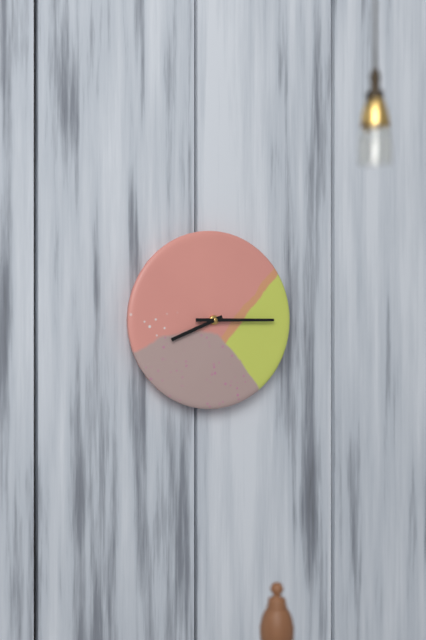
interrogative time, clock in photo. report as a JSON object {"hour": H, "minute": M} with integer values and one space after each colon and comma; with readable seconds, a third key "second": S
{"hour": 8, "minute": 15}
